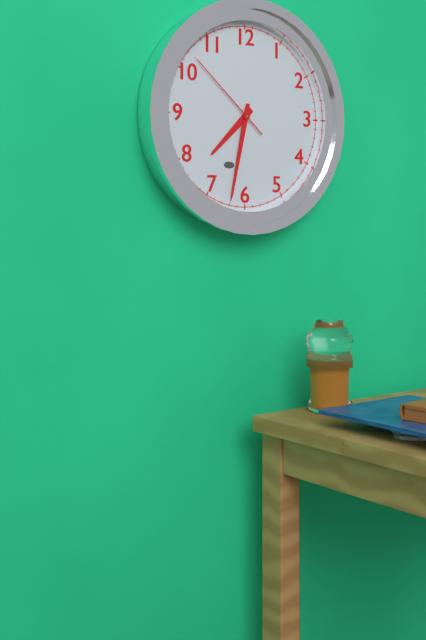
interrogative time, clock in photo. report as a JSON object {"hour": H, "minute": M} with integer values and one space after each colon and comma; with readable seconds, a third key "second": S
{"hour": 7, "minute": 32, "second": 52}
